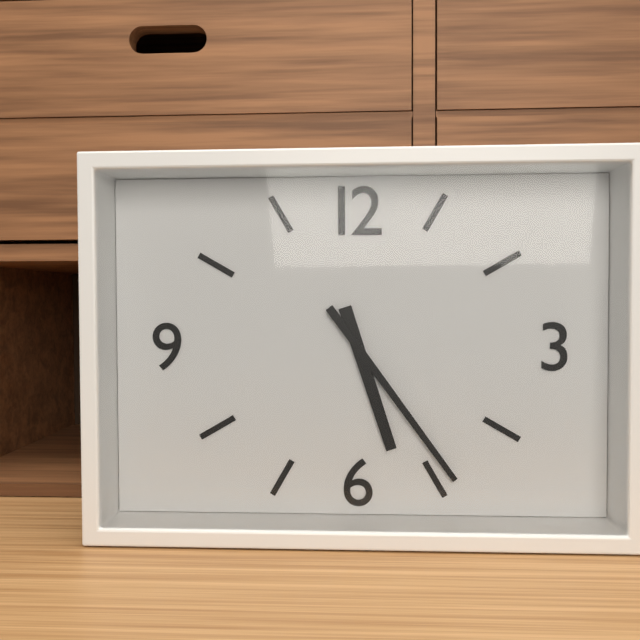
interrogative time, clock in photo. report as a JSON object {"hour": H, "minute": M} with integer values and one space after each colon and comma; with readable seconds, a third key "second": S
{"hour": 5, "minute": 24}
